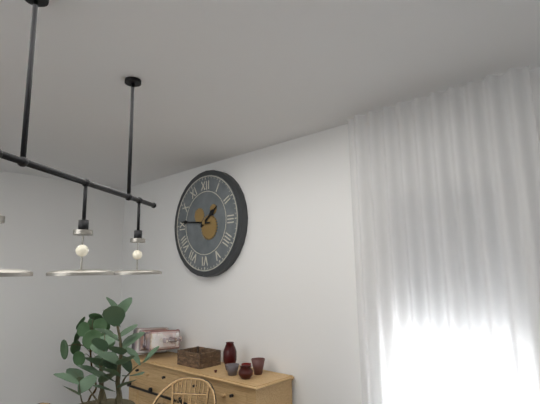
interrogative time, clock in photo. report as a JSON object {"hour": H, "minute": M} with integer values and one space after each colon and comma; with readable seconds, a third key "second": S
{"hour": 1, "minute": 46}
